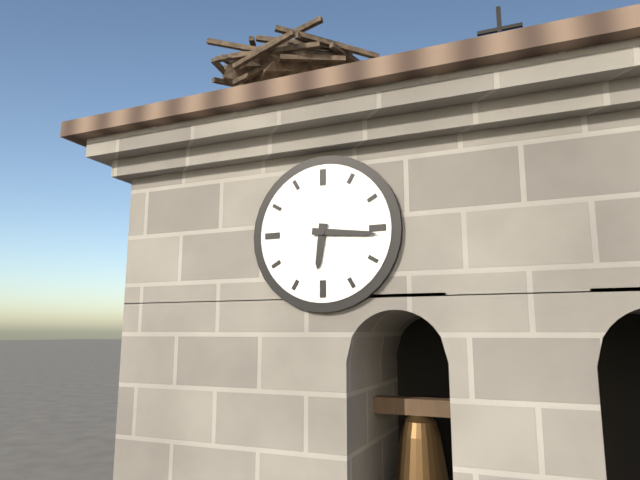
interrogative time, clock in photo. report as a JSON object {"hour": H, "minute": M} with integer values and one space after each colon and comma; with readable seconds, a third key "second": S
{"hour": 6, "minute": 16}
